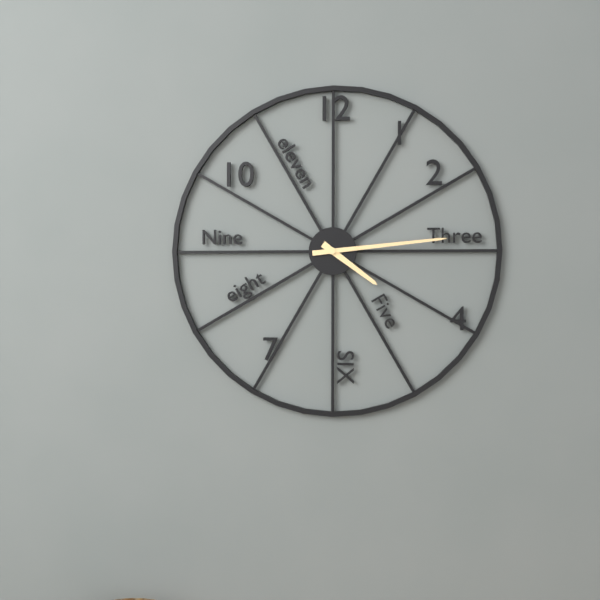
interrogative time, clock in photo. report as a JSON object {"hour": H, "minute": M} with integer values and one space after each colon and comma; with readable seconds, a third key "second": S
{"hour": 4, "minute": 14}
